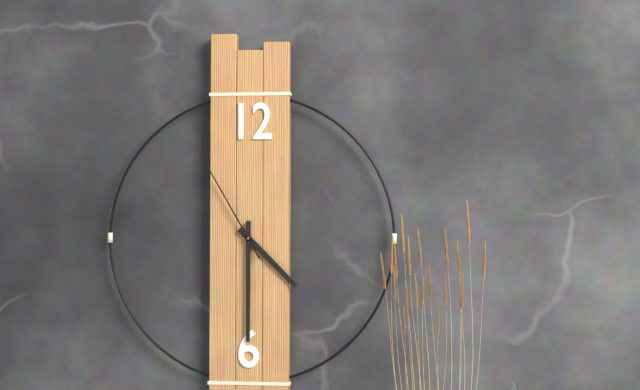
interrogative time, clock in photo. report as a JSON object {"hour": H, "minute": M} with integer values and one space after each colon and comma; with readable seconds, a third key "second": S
{"hour": 4, "minute": 30, "second": 55}
